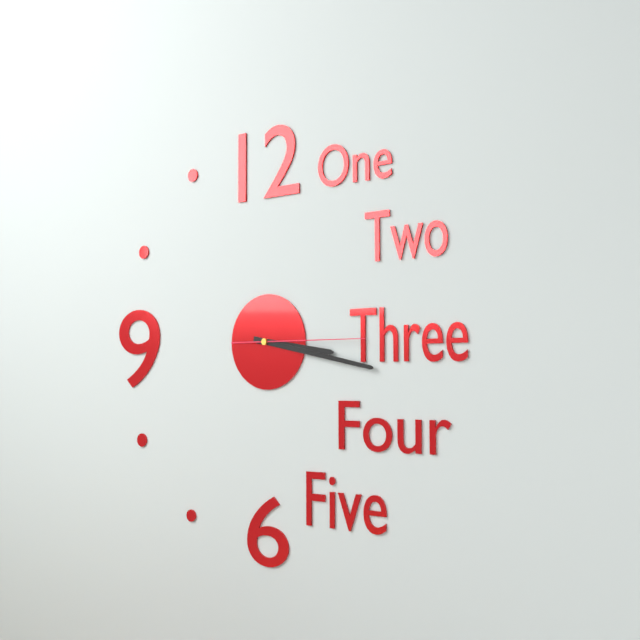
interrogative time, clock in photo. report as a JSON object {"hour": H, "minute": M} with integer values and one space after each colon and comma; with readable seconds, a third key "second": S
{"hour": 3, "minute": 17, "second": 15}
